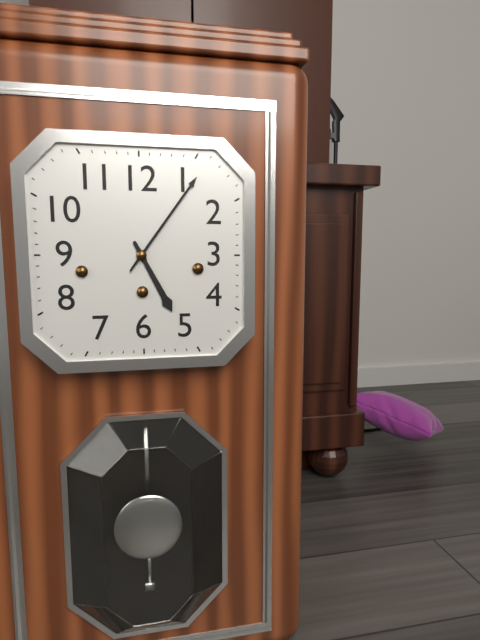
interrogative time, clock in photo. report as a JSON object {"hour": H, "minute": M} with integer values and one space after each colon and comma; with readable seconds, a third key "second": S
{"hour": 5, "minute": 6}
